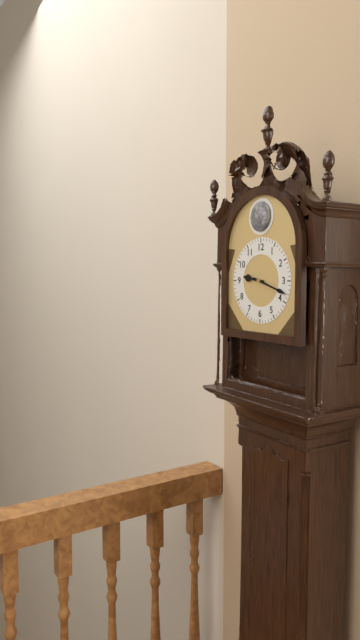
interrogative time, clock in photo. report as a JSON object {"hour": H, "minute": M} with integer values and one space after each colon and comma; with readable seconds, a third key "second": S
{"hour": 9, "minute": 18}
